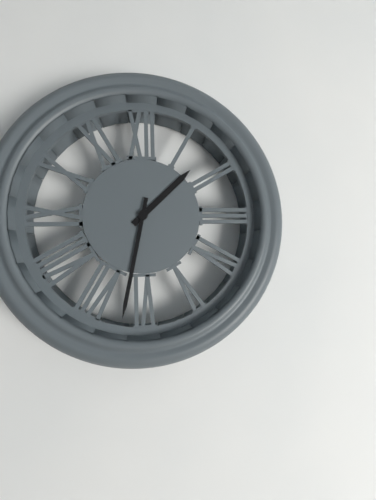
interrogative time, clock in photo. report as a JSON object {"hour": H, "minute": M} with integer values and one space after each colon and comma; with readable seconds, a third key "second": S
{"hour": 1, "minute": 32}
